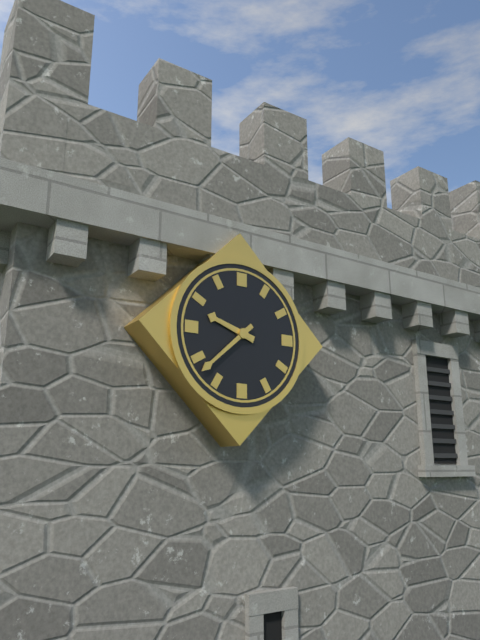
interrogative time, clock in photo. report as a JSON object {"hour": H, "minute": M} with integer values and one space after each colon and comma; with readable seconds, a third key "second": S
{"hour": 9, "minute": 38}
